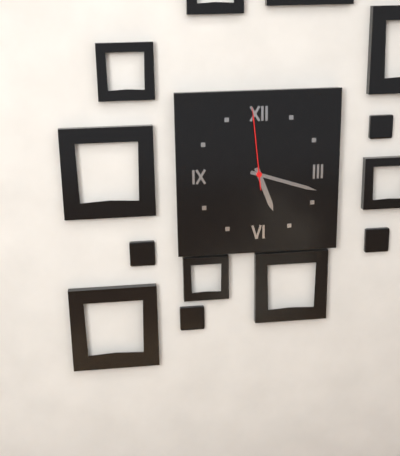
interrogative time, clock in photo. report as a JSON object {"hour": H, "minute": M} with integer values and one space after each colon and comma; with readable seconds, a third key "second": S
{"hour": 5, "minute": 18, "second": 59}
